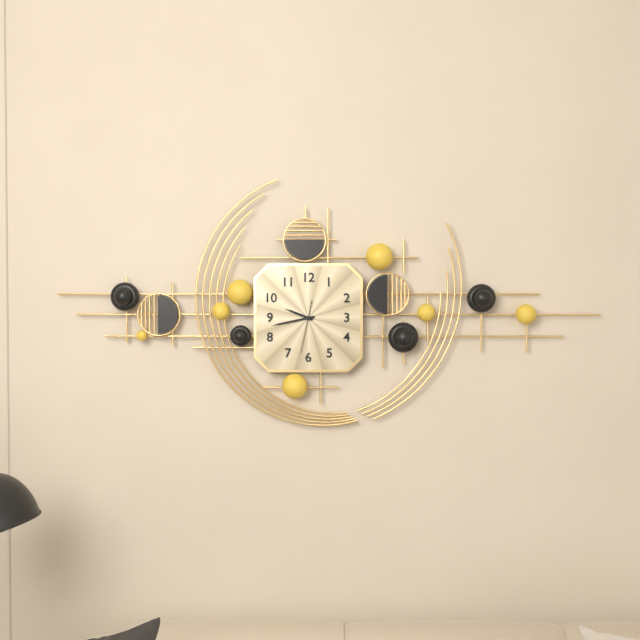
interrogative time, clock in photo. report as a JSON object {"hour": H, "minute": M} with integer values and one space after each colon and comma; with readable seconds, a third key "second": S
{"hour": 9, "minute": 43}
